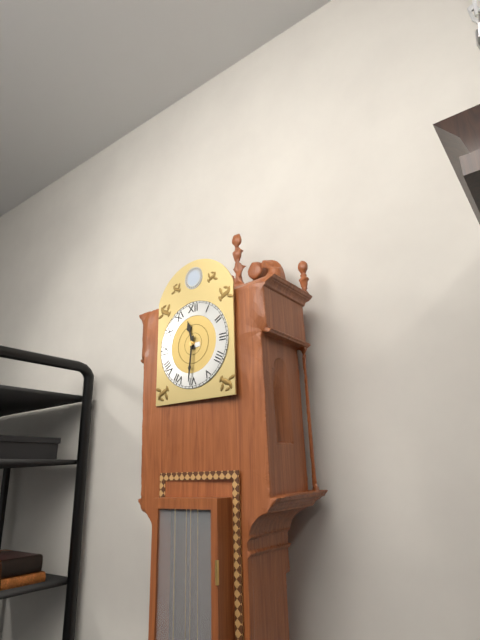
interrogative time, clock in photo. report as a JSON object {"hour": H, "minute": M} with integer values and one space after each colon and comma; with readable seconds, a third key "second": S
{"hour": 11, "minute": 31}
